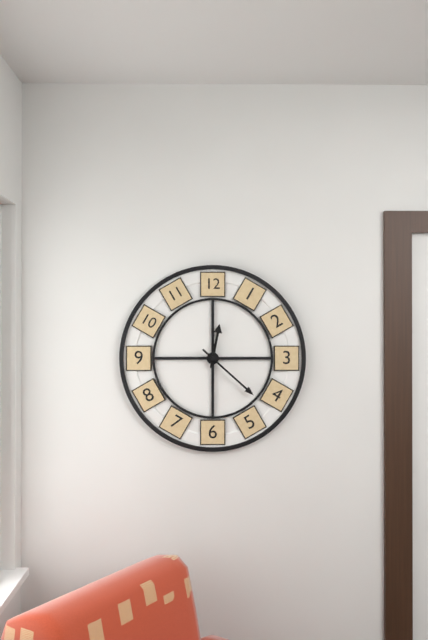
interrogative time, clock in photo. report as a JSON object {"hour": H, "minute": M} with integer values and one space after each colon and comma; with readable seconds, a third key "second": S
{"hour": 12, "minute": 22}
